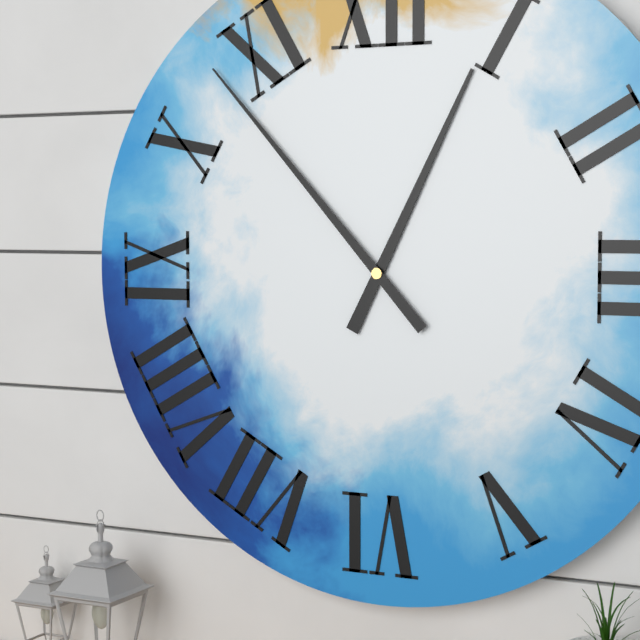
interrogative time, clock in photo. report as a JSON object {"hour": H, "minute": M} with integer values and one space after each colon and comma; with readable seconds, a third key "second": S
{"hour": 12, "minute": 53}
